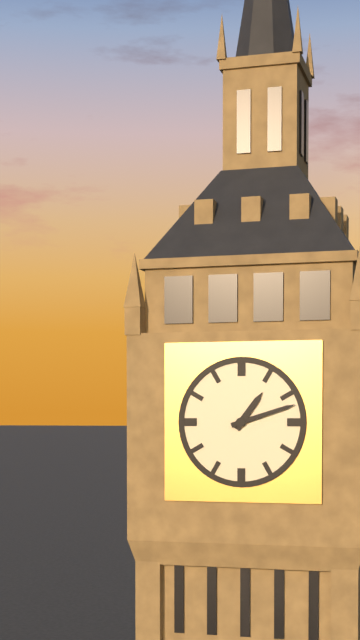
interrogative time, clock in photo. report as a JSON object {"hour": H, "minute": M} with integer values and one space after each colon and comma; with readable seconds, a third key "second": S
{"hour": 1, "minute": 12}
